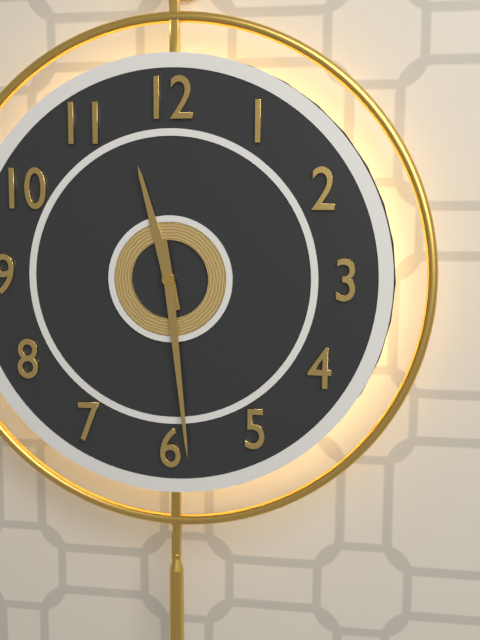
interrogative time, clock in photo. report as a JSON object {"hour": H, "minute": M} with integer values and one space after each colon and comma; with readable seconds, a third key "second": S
{"hour": 11, "minute": 29}
